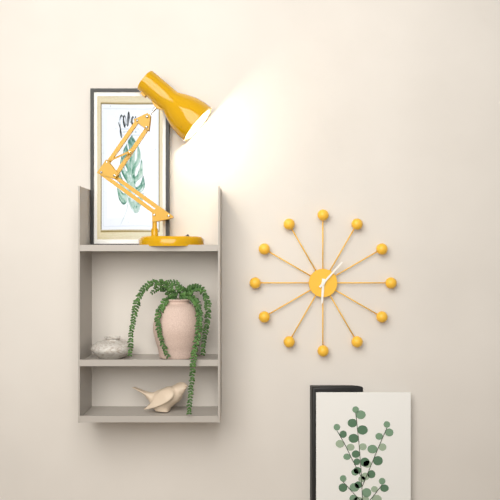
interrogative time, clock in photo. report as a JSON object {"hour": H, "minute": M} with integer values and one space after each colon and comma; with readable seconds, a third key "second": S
{"hour": 6, "minute": 7}
